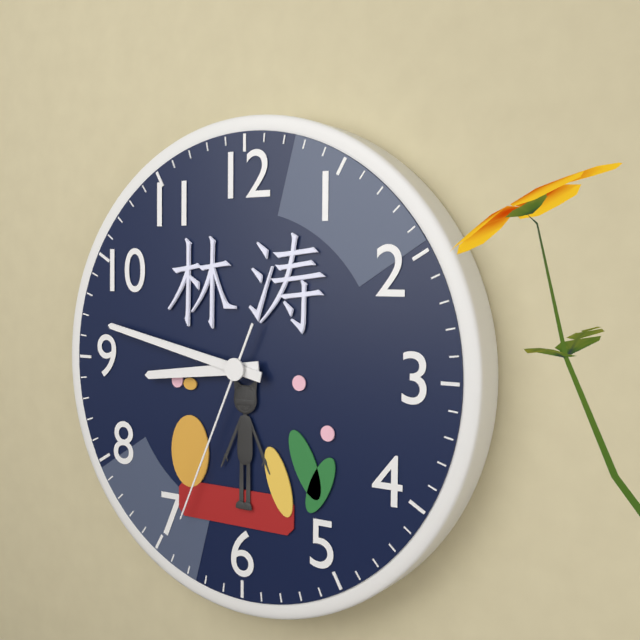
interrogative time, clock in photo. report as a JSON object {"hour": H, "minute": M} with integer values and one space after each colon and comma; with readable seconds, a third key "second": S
{"hour": 8, "minute": 47, "second": 34}
